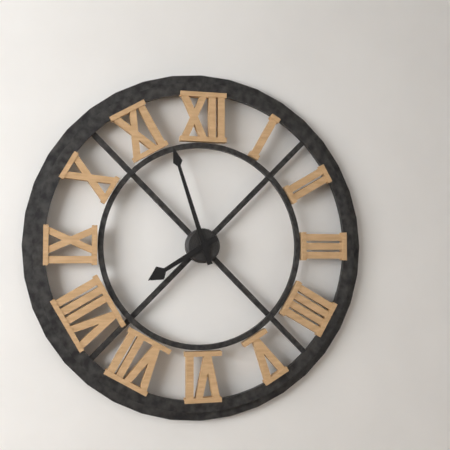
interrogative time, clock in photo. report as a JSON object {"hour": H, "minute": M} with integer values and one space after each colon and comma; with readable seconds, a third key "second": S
{"hour": 7, "minute": 57}
